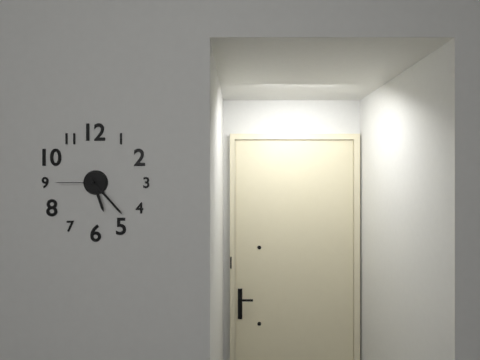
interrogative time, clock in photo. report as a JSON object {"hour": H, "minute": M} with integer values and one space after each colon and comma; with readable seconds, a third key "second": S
{"hour": 5, "minute": 23, "second": 45}
